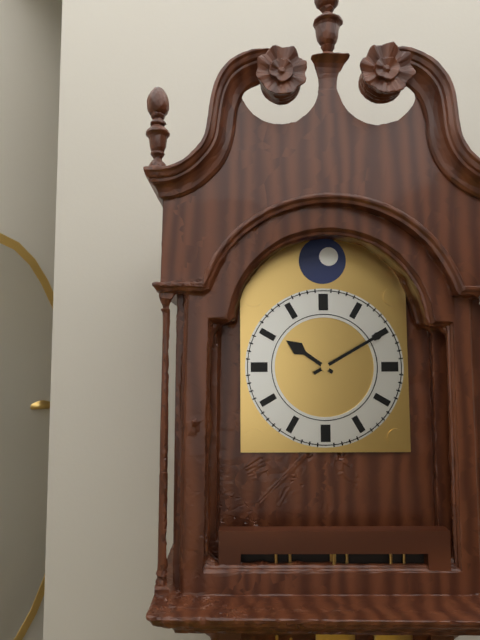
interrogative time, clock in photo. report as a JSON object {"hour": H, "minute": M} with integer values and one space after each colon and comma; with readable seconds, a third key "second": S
{"hour": 10, "minute": 10}
